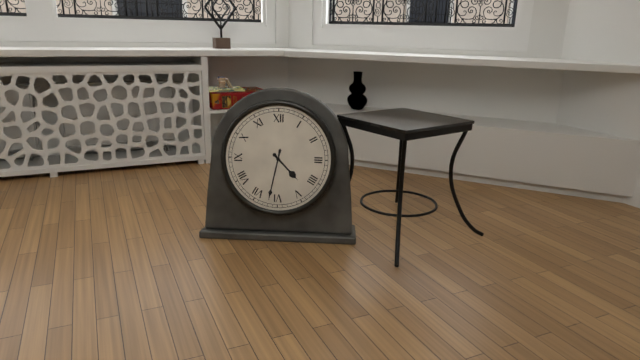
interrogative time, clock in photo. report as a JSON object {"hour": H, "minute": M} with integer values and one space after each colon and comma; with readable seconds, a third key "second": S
{"hour": 4, "minute": 32}
